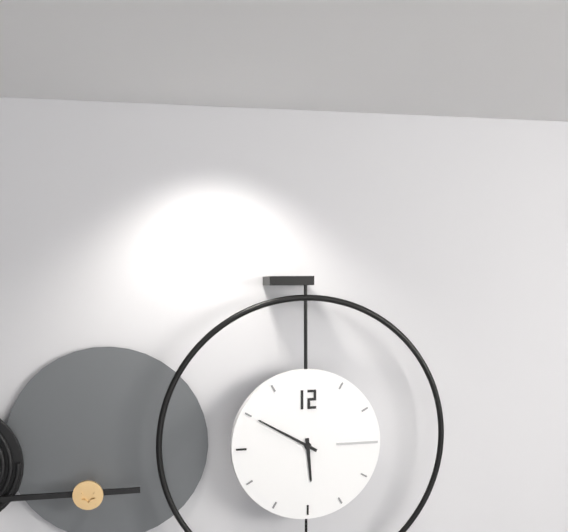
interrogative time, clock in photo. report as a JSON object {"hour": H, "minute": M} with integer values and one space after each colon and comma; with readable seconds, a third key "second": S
{"hour": 5, "minute": 50}
